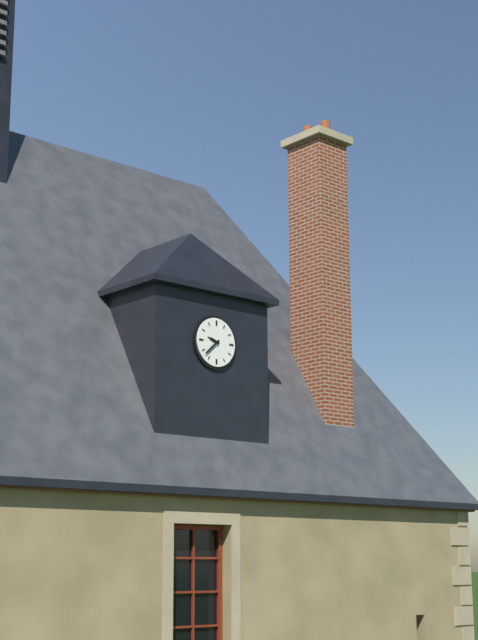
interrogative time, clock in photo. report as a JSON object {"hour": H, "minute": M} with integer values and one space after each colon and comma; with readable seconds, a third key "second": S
{"hour": 9, "minute": 38}
